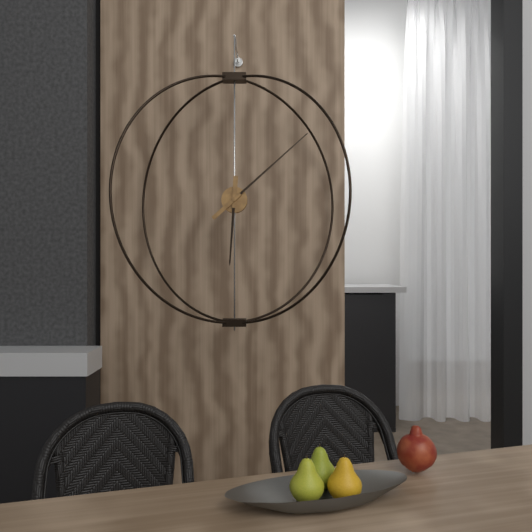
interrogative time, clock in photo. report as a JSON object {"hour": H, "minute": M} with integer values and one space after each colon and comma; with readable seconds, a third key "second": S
{"hour": 6, "minute": 8}
